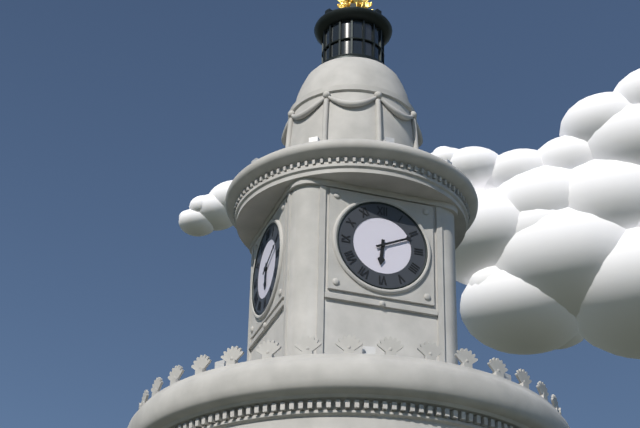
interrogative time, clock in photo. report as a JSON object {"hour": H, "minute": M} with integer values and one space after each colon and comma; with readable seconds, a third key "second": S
{"hour": 6, "minute": 11}
